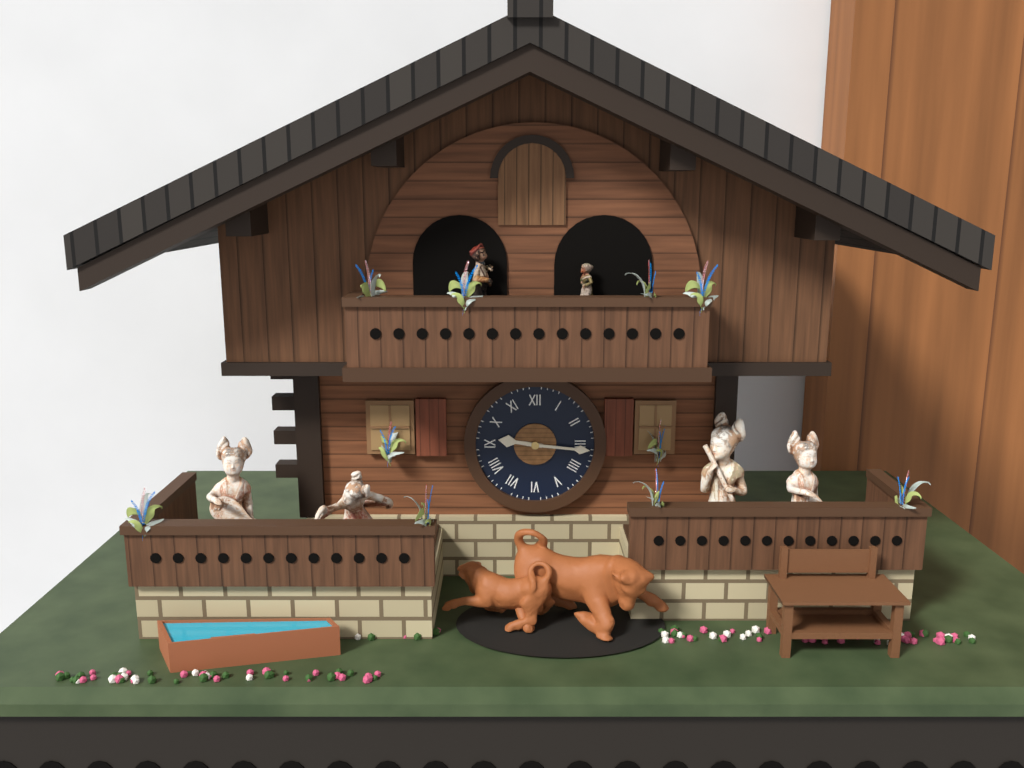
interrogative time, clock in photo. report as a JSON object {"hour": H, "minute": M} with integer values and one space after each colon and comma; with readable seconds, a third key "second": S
{"hour": 9, "minute": 16}
